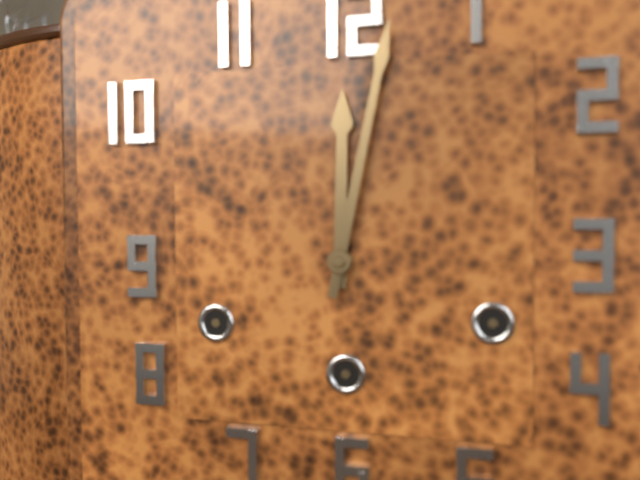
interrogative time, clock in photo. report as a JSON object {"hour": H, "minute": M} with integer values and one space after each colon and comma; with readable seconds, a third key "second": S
{"hour": 12, "minute": 2}
